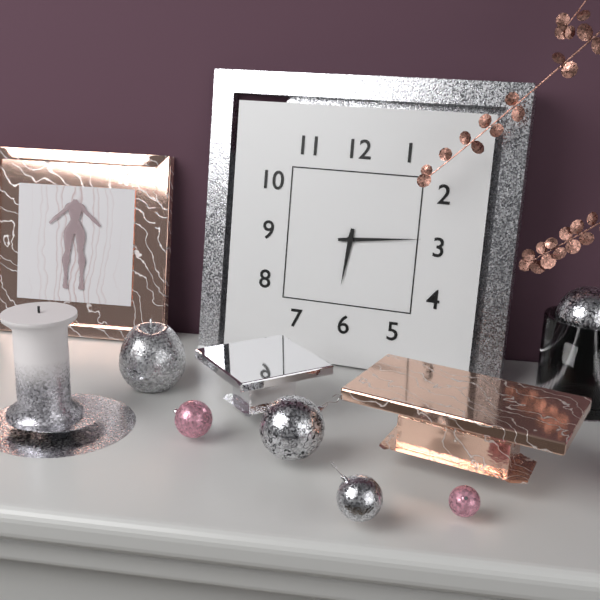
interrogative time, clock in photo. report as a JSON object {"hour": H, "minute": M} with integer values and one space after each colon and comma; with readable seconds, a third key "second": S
{"hour": 6, "minute": 14}
